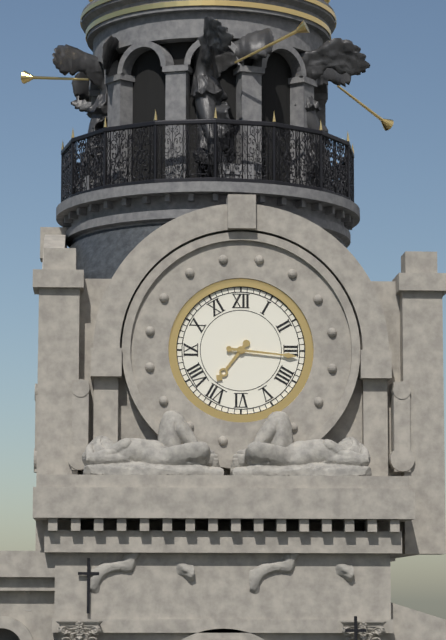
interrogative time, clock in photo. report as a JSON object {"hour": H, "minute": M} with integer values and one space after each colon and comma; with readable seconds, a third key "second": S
{"hour": 7, "minute": 16}
